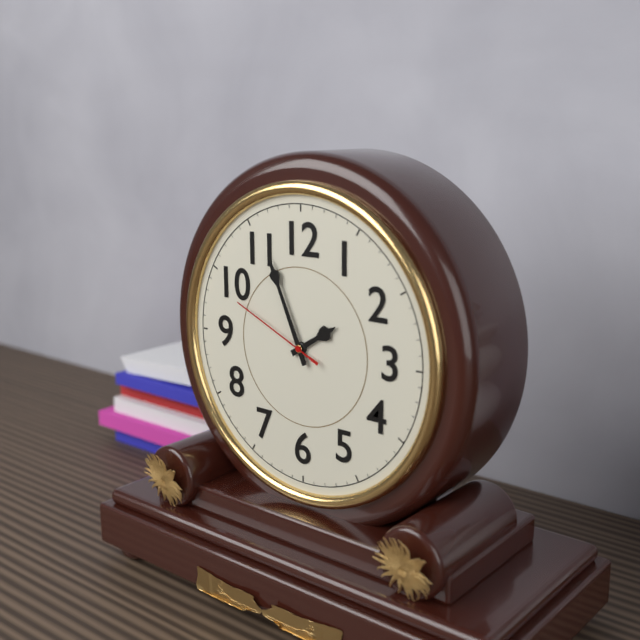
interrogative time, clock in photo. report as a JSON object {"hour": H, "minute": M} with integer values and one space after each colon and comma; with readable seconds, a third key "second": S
{"hour": 1, "minute": 56, "second": 49}
